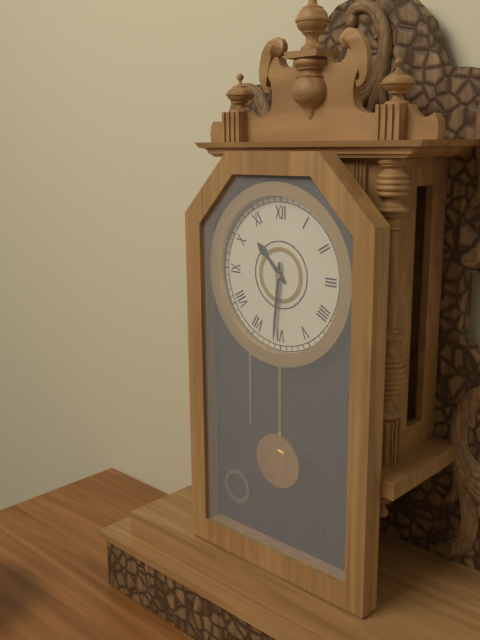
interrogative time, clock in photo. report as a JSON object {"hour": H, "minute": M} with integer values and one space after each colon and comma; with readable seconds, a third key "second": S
{"hour": 10, "minute": 31}
